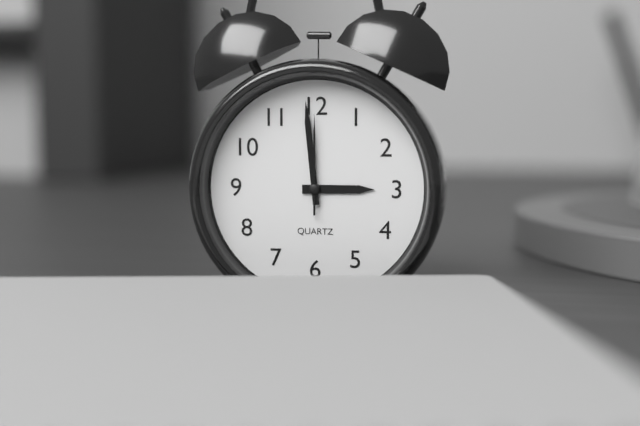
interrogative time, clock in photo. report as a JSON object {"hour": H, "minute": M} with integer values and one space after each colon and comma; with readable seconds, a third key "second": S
{"hour": 2, "minute": 59, "second": 0}
